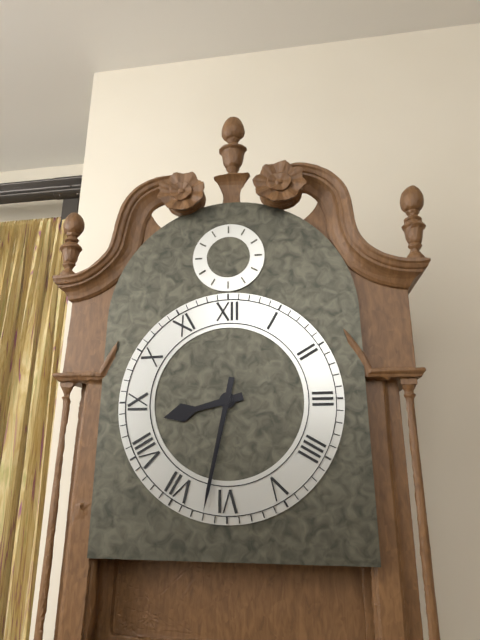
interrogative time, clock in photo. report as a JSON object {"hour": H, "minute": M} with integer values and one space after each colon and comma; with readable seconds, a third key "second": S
{"hour": 8, "minute": 32}
